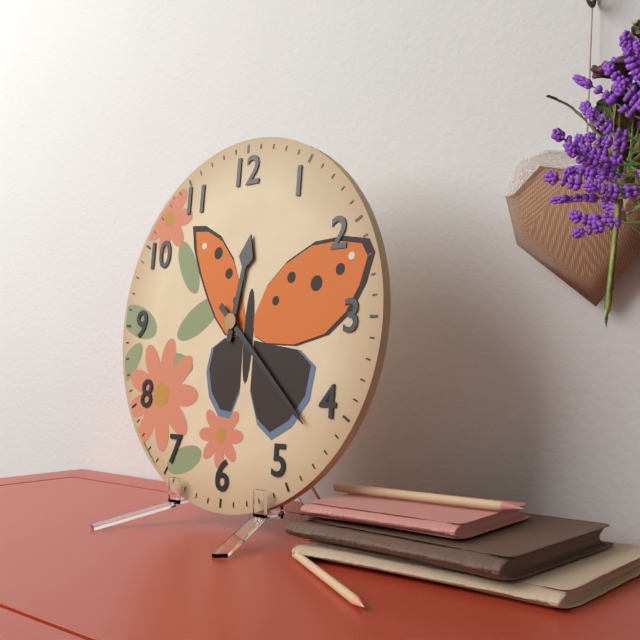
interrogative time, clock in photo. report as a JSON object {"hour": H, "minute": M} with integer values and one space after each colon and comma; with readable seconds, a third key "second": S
{"hour": 12, "minute": 22}
